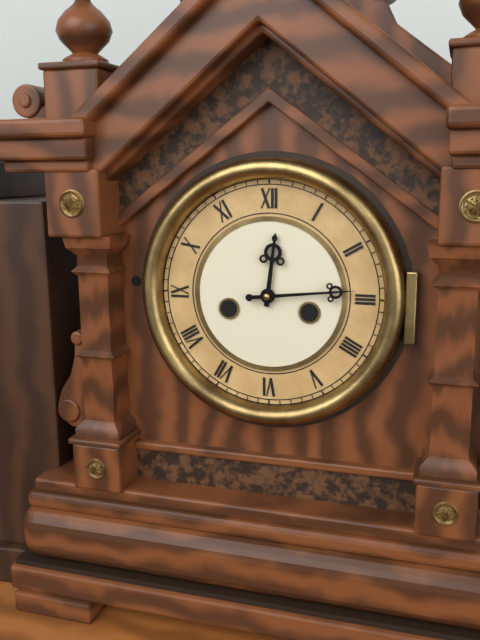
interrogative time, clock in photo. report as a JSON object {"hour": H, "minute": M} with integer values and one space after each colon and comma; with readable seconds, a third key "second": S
{"hour": 12, "minute": 14}
